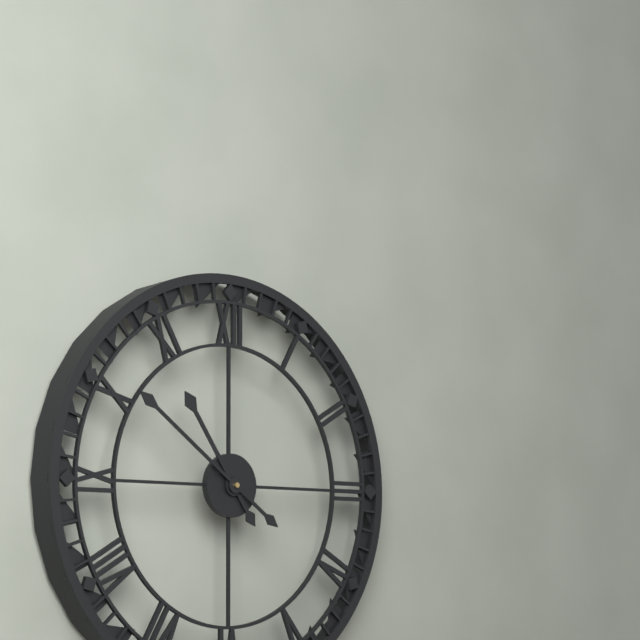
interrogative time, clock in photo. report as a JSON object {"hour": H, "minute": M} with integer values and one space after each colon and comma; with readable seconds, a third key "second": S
{"hour": 10, "minute": 51}
